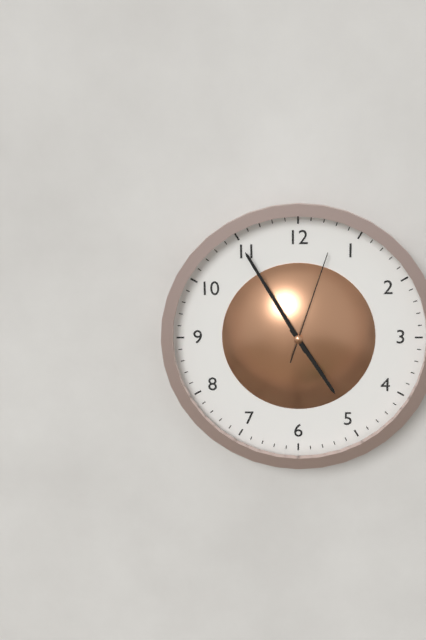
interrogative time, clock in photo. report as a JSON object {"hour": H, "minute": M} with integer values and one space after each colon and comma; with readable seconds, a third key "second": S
{"hour": 4, "minute": 55, "second": 3}
